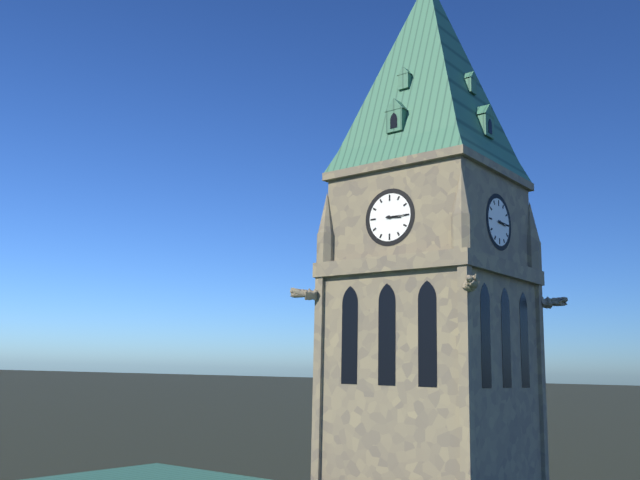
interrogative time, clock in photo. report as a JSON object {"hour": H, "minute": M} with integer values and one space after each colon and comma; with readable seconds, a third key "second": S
{"hour": 3, "minute": 15}
